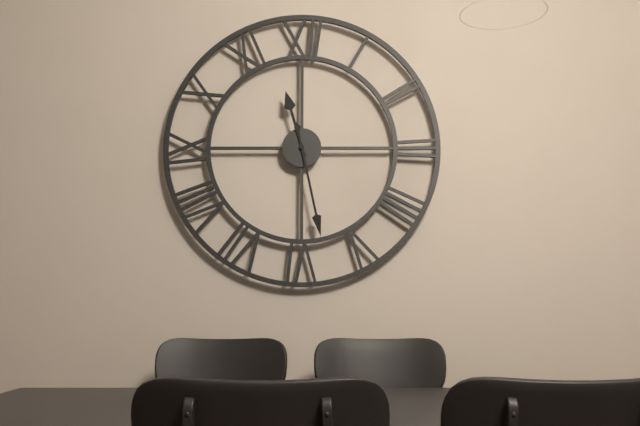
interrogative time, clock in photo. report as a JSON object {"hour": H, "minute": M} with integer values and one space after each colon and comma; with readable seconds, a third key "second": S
{"hour": 11, "minute": 28}
